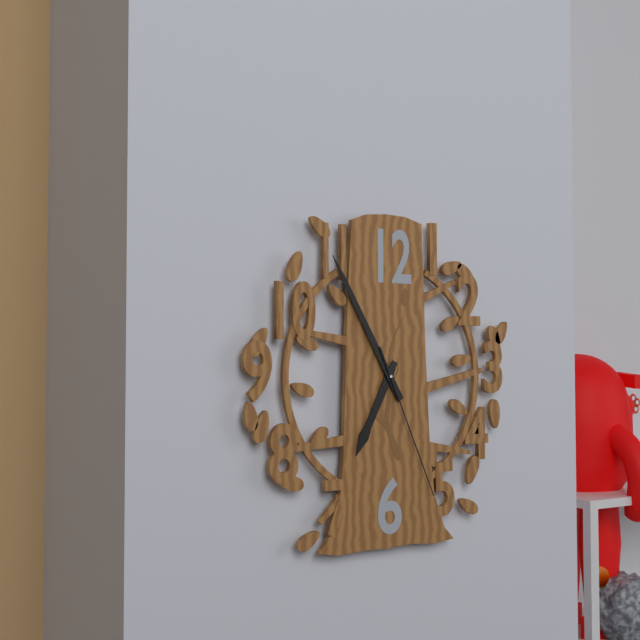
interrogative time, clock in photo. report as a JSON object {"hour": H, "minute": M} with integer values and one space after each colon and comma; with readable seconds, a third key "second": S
{"hour": 6, "minute": 55, "second": 26}
